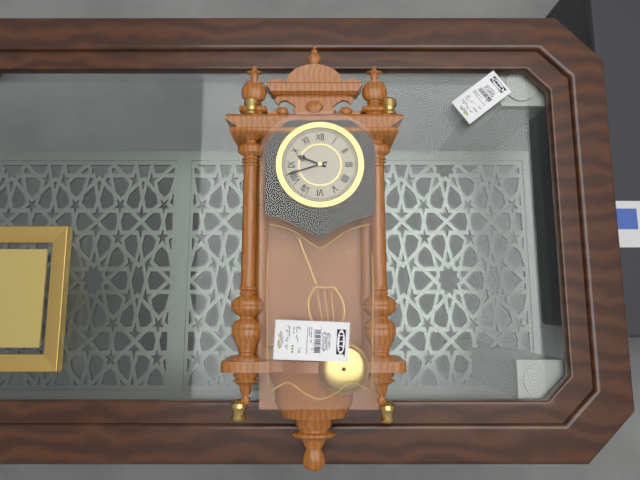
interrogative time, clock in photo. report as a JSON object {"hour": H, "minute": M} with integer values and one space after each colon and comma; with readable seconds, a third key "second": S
{"hour": 9, "minute": 42}
